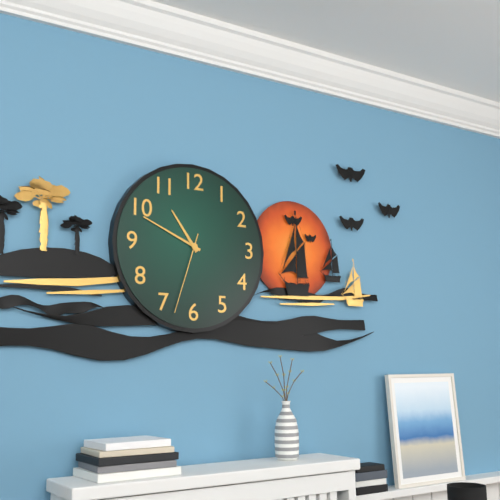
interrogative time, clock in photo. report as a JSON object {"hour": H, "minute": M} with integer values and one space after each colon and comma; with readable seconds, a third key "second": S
{"hour": 10, "minute": 49, "second": 33}
